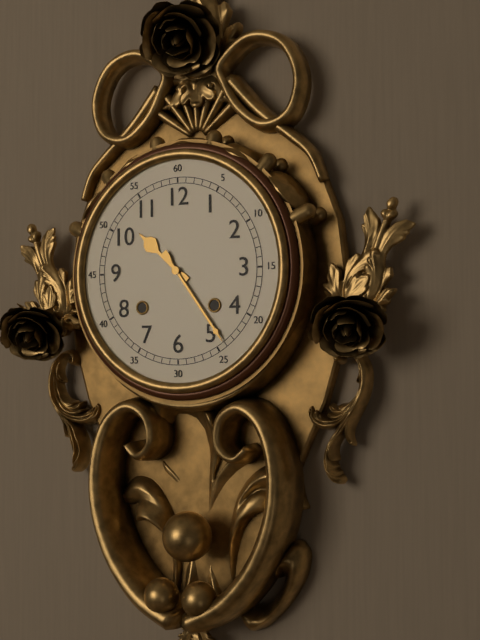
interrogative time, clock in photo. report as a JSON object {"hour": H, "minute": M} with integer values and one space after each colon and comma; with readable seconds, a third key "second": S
{"hour": 10, "minute": 24}
